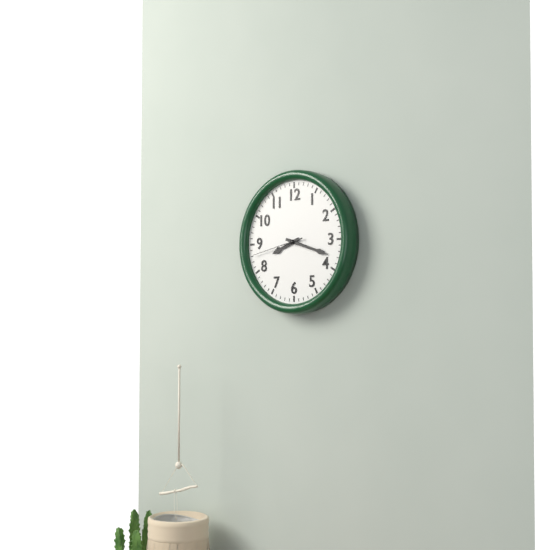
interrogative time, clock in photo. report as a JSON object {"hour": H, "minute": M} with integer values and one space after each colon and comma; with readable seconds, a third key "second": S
{"hour": 8, "minute": 18, "second": 43}
